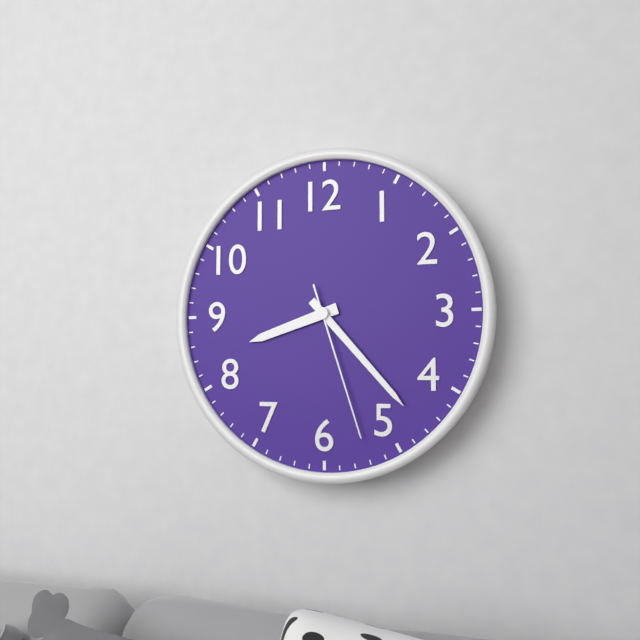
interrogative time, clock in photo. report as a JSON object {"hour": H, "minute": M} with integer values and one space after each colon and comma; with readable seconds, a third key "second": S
{"hour": 8, "minute": 23, "second": 27}
